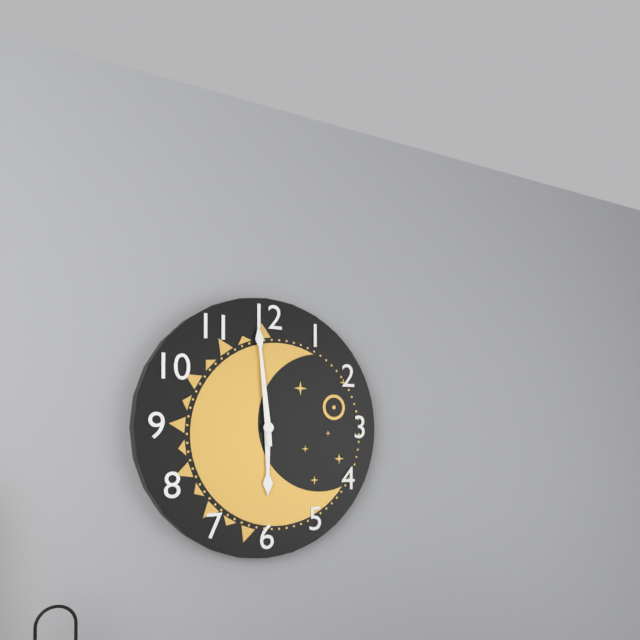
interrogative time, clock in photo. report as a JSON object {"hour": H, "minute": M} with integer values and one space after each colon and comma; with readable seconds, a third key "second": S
{"hour": 5, "minute": 59}
